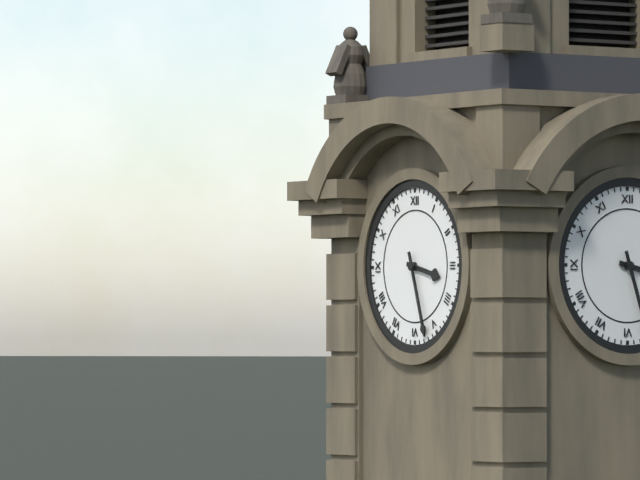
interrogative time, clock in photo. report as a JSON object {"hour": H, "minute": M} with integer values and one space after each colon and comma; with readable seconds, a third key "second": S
{"hour": 3, "minute": 27}
